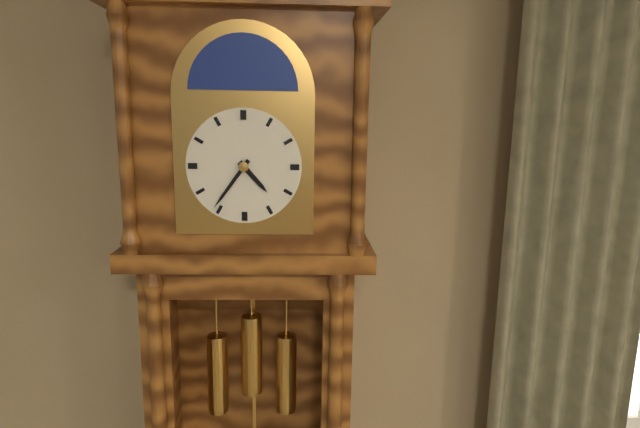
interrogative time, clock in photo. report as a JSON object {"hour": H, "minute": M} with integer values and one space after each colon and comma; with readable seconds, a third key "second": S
{"hour": 4, "minute": 36}
